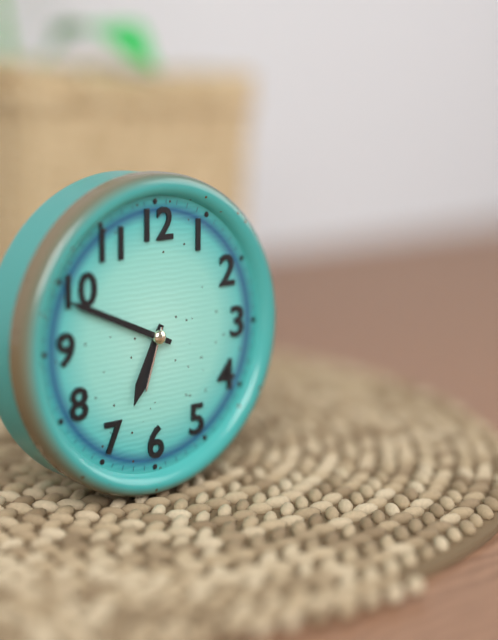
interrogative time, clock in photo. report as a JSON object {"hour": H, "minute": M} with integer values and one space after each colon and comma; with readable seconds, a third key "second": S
{"hour": 6, "minute": 49, "second": 33}
